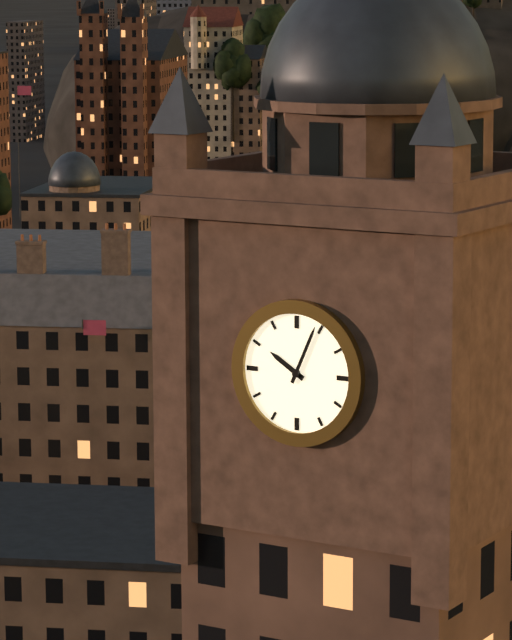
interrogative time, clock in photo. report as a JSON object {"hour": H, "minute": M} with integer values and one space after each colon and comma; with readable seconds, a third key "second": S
{"hour": 10, "minute": 4}
